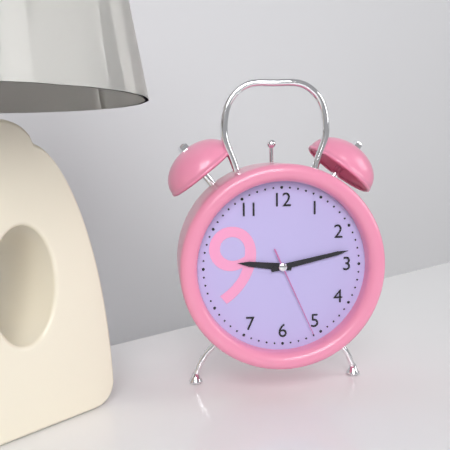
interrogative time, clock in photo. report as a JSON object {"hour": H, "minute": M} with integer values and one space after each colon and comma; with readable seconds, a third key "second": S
{"hour": 9, "minute": 13, "second": 26}
